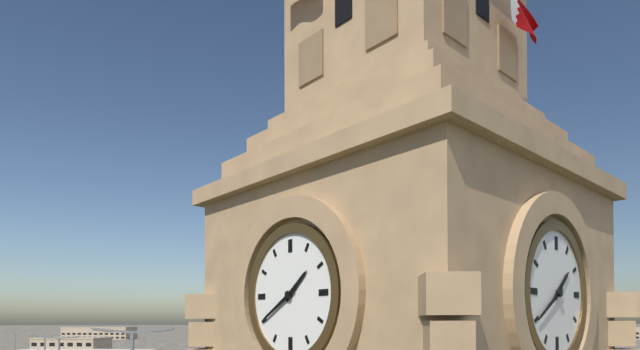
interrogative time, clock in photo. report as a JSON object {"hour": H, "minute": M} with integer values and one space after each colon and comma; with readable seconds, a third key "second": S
{"hour": 1, "minute": 40}
